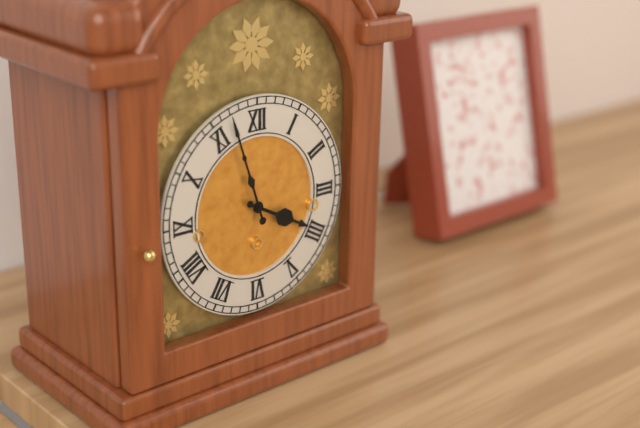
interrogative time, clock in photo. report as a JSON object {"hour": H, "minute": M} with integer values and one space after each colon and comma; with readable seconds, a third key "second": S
{"hour": 3, "minute": 57}
